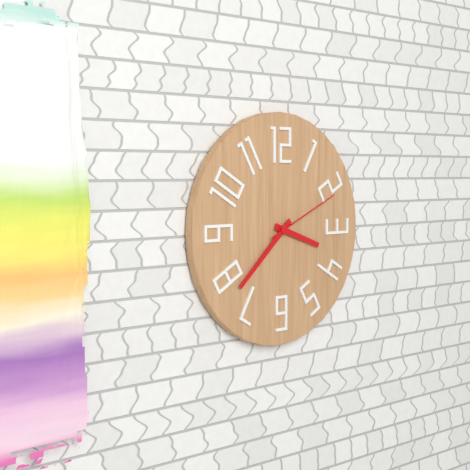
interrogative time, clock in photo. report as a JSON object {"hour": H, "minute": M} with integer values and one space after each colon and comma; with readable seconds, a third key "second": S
{"hour": 3, "minute": 38, "second": 11}
